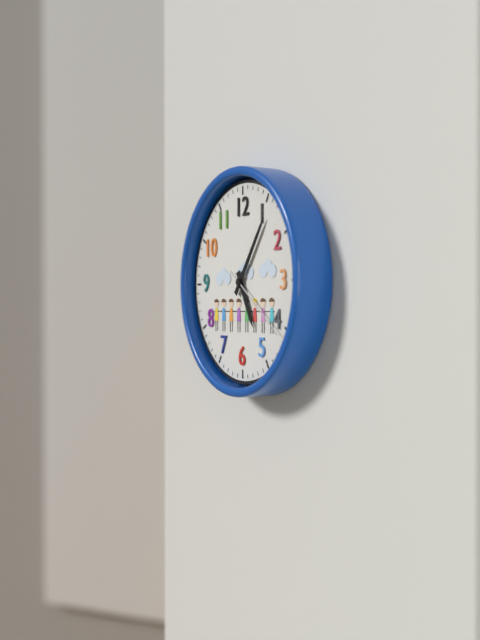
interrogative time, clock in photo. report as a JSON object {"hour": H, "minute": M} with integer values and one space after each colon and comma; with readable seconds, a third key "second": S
{"hour": 5, "minute": 6, "second": 21}
